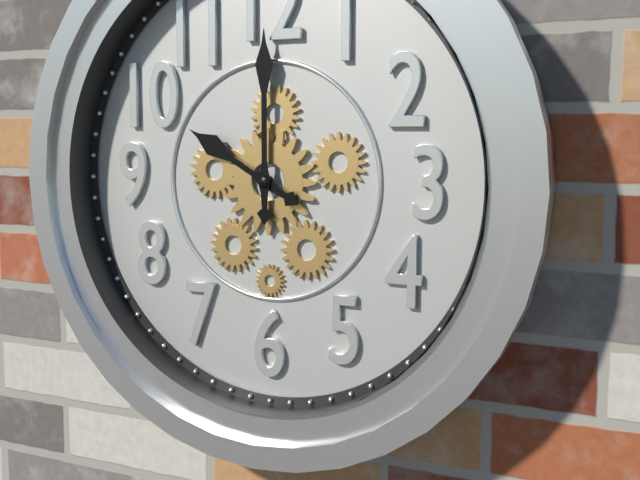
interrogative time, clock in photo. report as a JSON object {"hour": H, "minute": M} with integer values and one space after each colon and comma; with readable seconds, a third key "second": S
{"hour": 10, "minute": 0}
